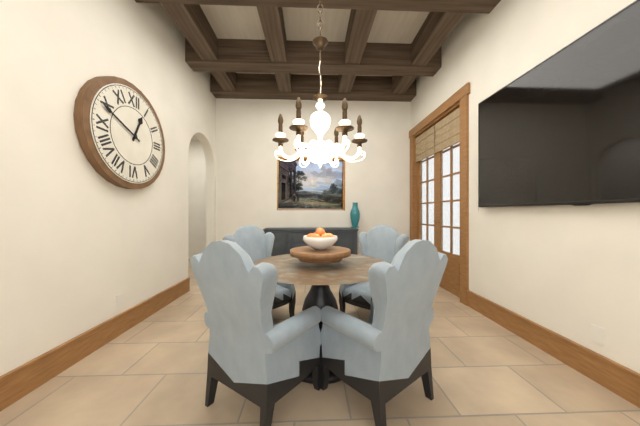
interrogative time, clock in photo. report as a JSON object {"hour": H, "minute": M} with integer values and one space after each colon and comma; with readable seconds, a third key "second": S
{"hour": 12, "minute": 49}
